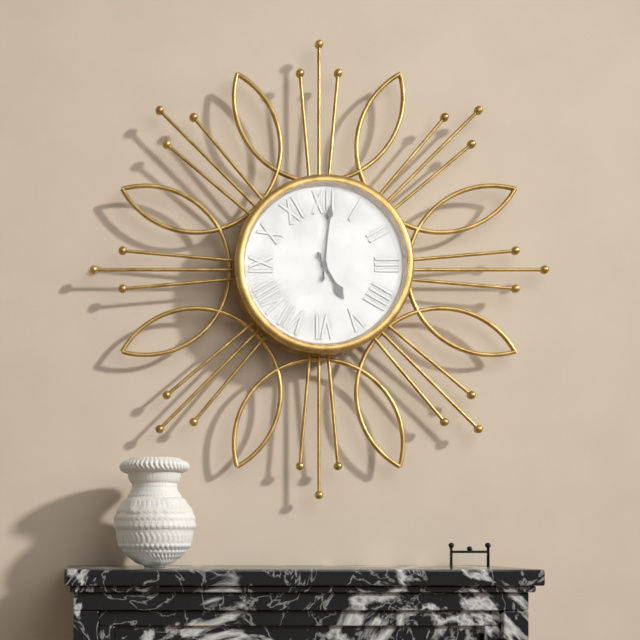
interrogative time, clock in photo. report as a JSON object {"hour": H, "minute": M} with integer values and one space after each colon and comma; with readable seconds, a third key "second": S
{"hour": 5, "minute": 1}
